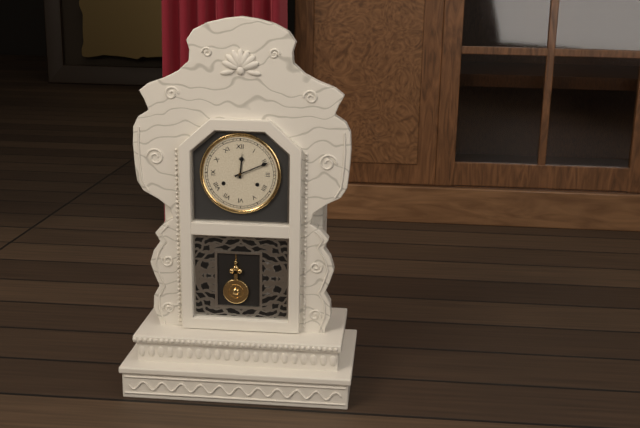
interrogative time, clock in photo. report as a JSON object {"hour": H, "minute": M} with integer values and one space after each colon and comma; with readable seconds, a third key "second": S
{"hour": 12, "minute": 11}
